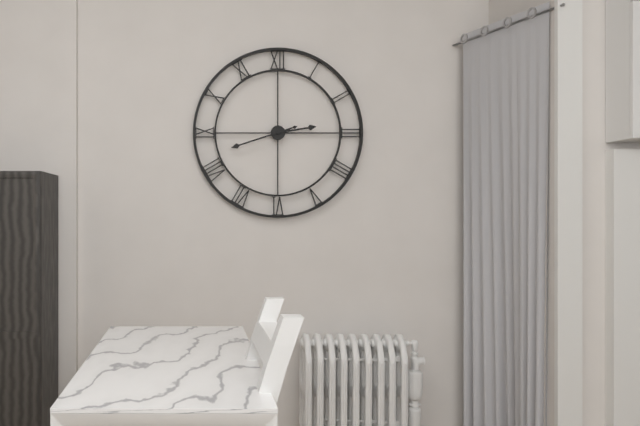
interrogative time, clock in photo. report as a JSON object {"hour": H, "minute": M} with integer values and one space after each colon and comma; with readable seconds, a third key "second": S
{"hour": 2, "minute": 42}
